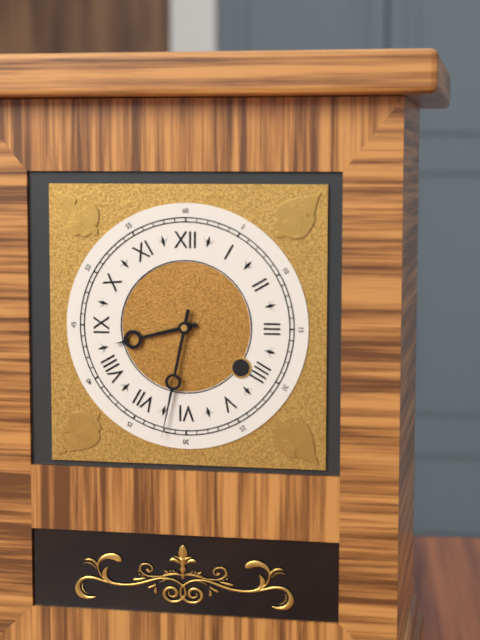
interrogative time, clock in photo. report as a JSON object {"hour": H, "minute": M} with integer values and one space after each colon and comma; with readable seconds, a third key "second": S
{"hour": 8, "minute": 32}
